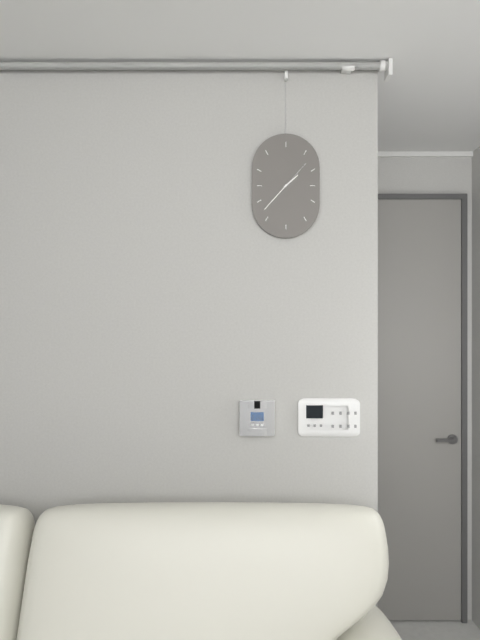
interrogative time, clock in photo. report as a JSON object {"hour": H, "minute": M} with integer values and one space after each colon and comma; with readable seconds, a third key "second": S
{"hour": 1, "minute": 37}
